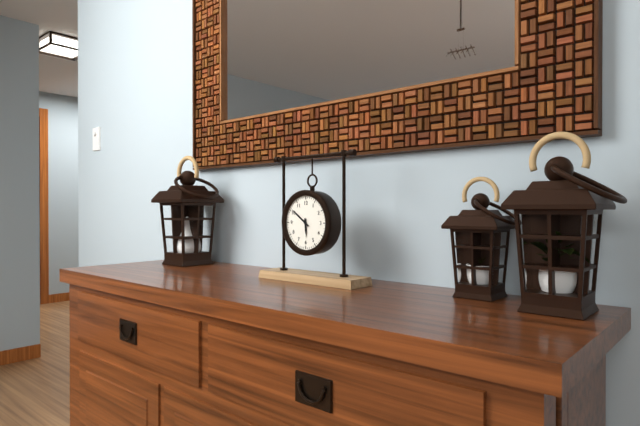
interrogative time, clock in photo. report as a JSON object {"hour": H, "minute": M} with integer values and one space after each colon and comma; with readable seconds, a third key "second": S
{"hour": 5, "minute": 51}
